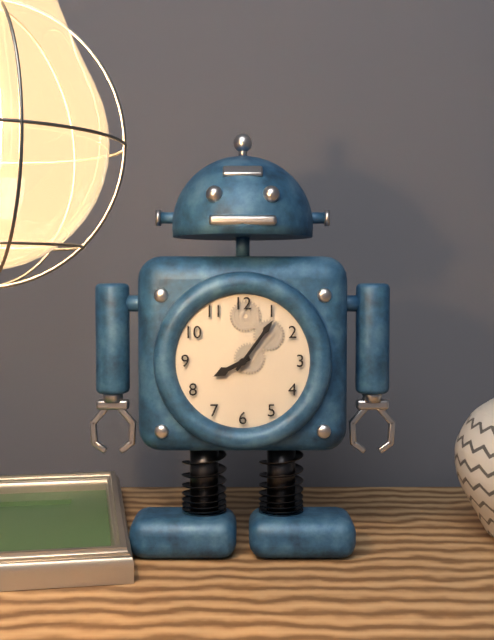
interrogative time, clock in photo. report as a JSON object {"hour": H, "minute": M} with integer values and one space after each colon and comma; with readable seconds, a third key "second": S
{"hour": 8, "minute": 6}
